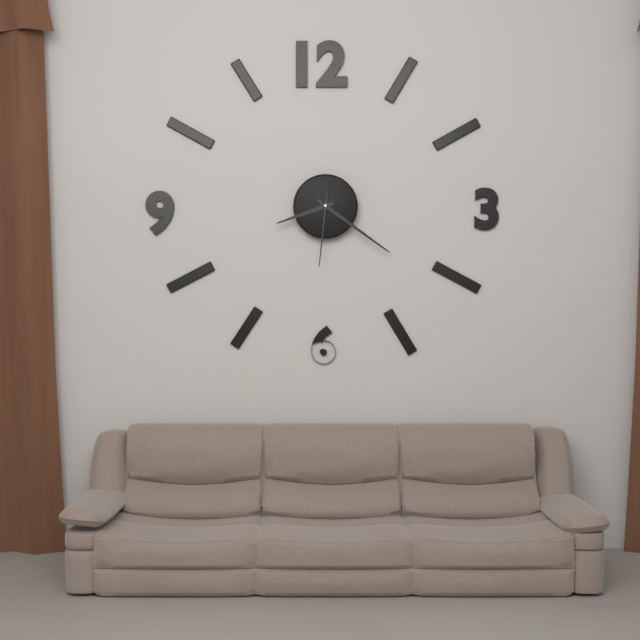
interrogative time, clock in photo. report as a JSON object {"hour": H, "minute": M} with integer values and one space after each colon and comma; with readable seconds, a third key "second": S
{"hour": 8, "minute": 21, "second": 31}
